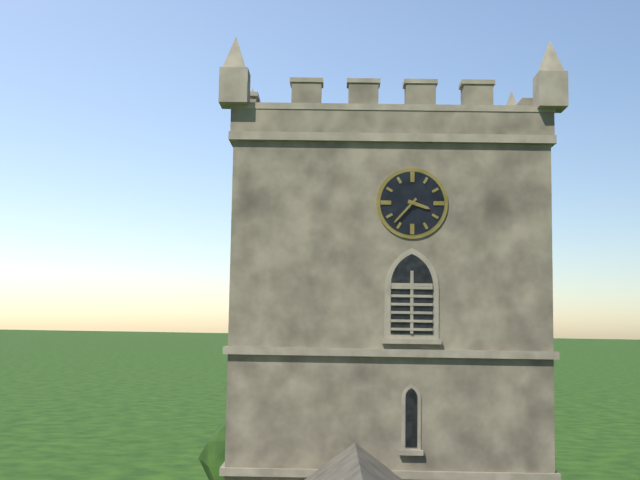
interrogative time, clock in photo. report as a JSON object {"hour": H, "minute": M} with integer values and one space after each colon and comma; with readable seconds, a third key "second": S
{"hour": 3, "minute": 37}
